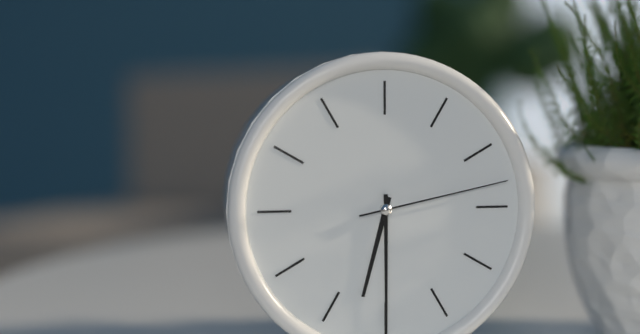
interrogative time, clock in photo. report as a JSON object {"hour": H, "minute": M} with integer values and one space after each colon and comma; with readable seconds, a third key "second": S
{"hour": 6, "minute": 30, "second": 13}
